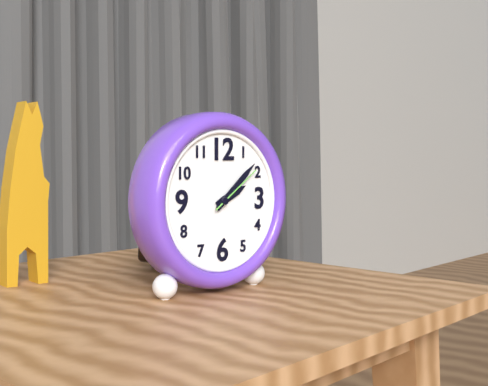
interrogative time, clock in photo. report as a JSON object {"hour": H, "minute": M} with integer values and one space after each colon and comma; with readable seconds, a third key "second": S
{"hour": 2, "minute": 8, "second": 9}
